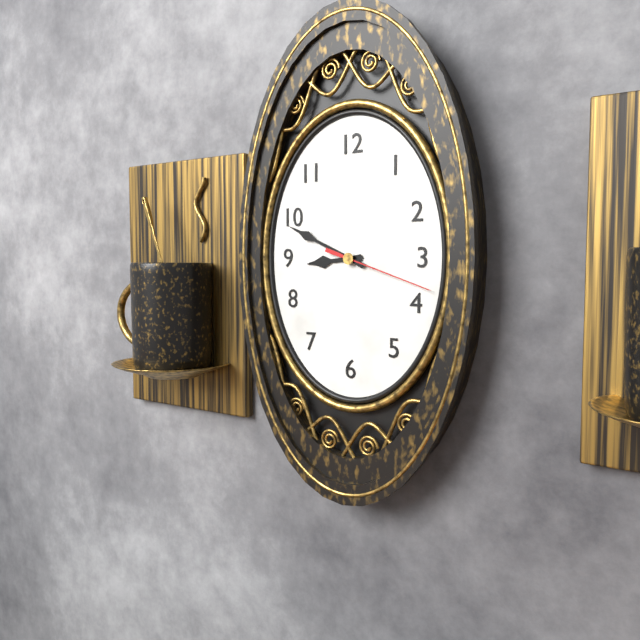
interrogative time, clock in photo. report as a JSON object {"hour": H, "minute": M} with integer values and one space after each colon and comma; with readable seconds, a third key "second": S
{"hour": 8, "minute": 49, "second": 18}
